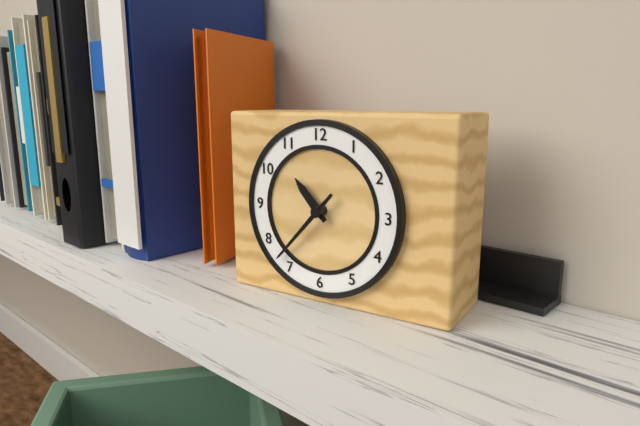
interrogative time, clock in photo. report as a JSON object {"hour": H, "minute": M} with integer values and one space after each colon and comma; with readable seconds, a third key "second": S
{"hour": 10, "minute": 37}
